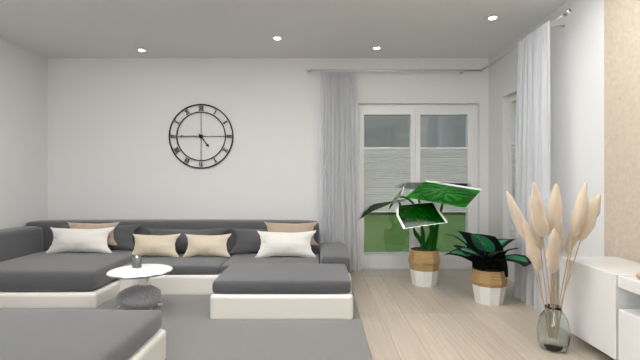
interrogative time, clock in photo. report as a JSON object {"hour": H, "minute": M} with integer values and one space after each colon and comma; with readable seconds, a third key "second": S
{"hour": 4, "minute": 45}
